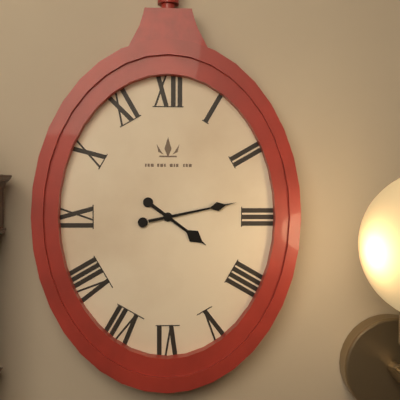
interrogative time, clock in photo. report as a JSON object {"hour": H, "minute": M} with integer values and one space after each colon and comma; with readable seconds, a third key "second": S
{"hour": 4, "minute": 13}
